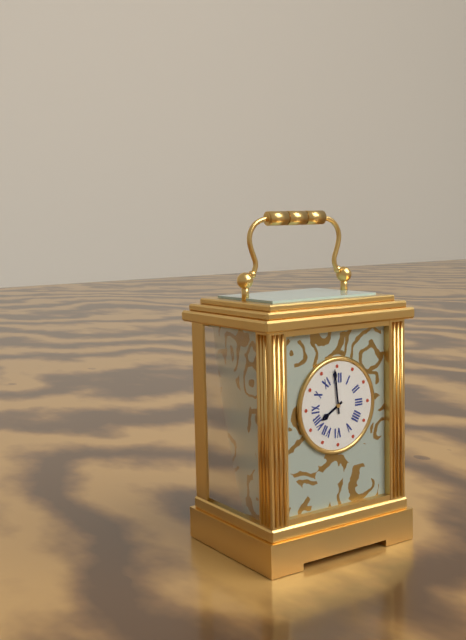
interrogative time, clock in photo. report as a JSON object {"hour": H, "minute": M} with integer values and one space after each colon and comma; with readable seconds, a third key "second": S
{"hour": 7, "minute": 59}
